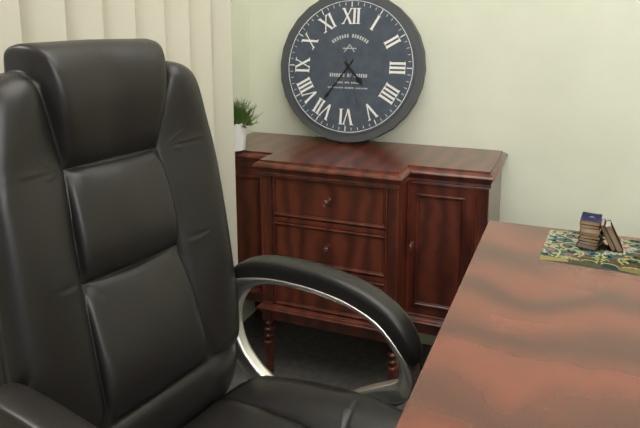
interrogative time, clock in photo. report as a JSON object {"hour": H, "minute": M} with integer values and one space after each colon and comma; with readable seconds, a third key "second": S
{"hour": 4, "minute": 36}
